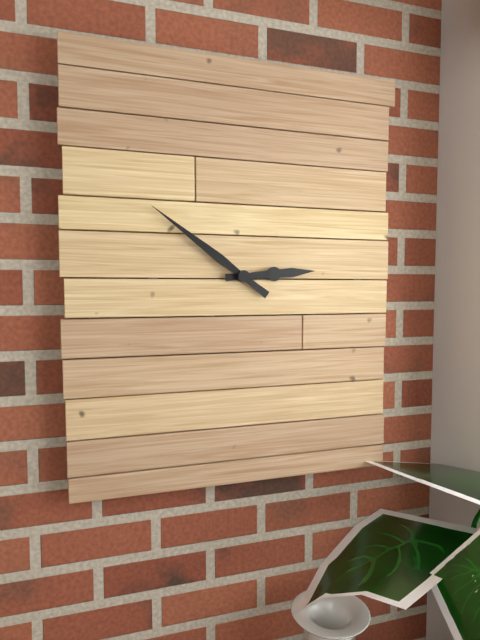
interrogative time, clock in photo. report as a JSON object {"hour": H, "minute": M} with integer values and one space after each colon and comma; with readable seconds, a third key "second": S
{"hour": 2, "minute": 51}
